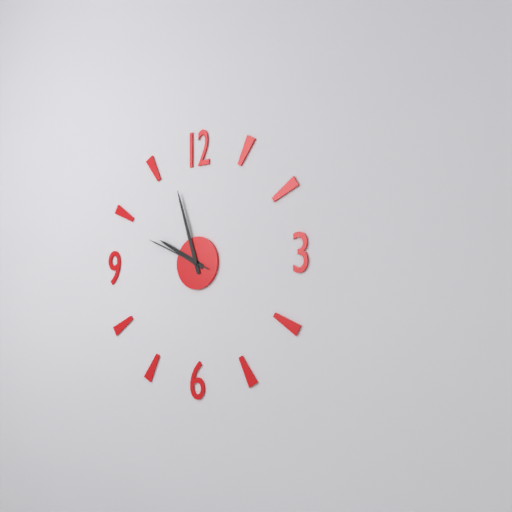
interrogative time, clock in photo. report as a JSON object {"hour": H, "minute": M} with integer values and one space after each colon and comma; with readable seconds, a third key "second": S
{"hour": 9, "minute": 57, "second": 49}
